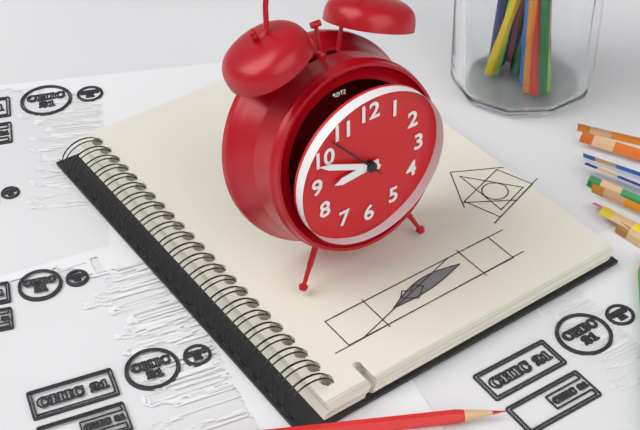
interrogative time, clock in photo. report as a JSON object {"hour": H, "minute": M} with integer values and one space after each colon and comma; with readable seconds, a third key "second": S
{"hour": 8, "minute": 49, "second": 53}
